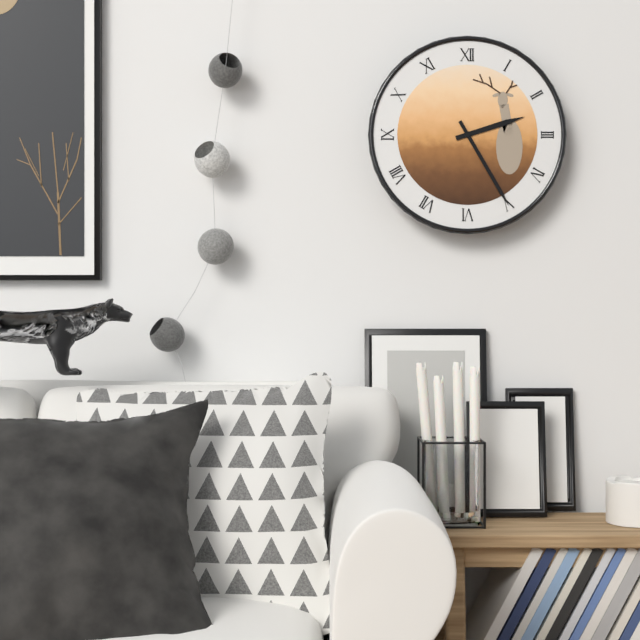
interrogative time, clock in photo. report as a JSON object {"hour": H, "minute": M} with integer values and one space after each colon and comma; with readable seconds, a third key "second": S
{"hour": 2, "minute": 25}
